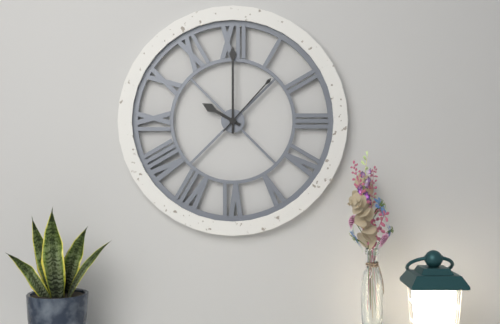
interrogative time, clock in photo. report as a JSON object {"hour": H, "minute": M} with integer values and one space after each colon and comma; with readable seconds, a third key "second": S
{"hour": 10, "minute": 0, "second": 7}
